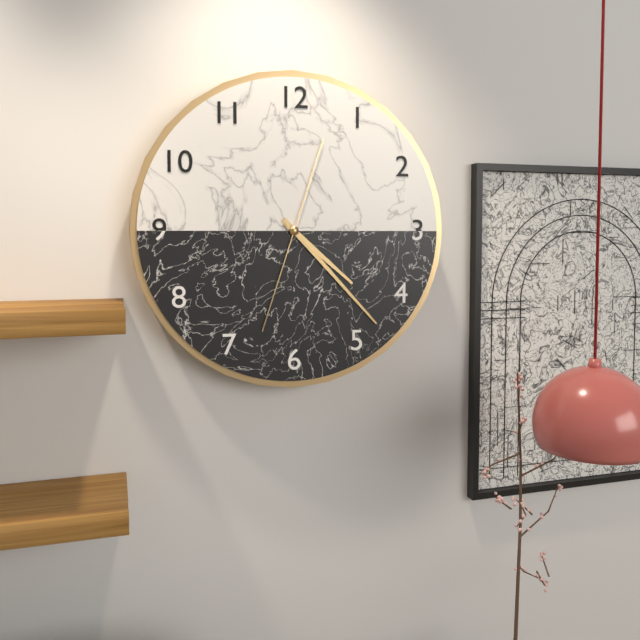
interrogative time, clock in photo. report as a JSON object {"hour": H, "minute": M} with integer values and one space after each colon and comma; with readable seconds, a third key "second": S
{"hour": 4, "minute": 23, "second": 33}
